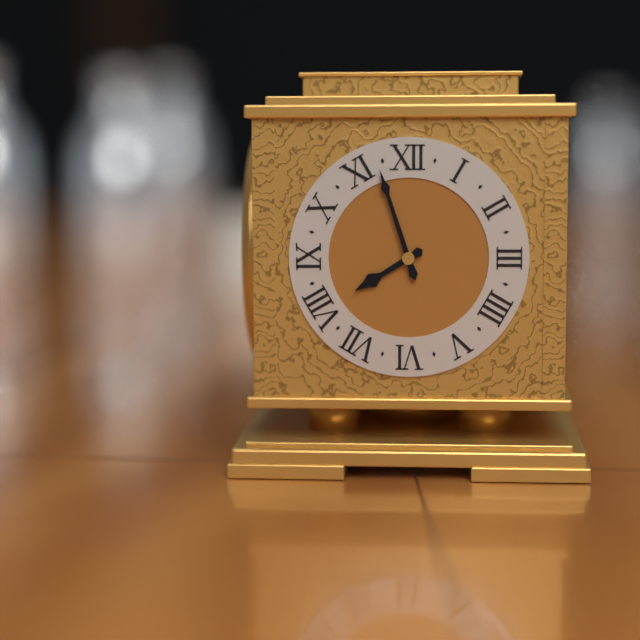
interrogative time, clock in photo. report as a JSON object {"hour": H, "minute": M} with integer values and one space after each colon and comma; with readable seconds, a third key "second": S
{"hour": 7, "minute": 57}
